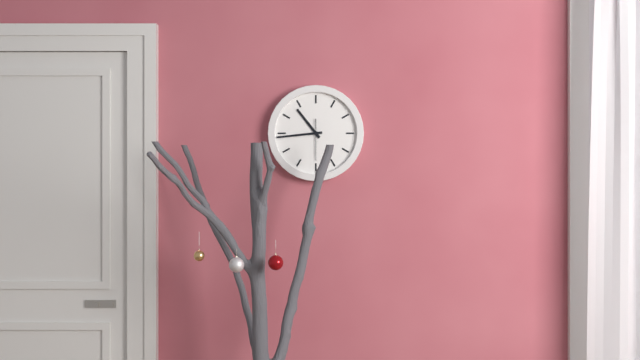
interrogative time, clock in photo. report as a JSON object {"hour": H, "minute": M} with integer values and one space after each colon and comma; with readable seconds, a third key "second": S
{"hour": 10, "minute": 44}
